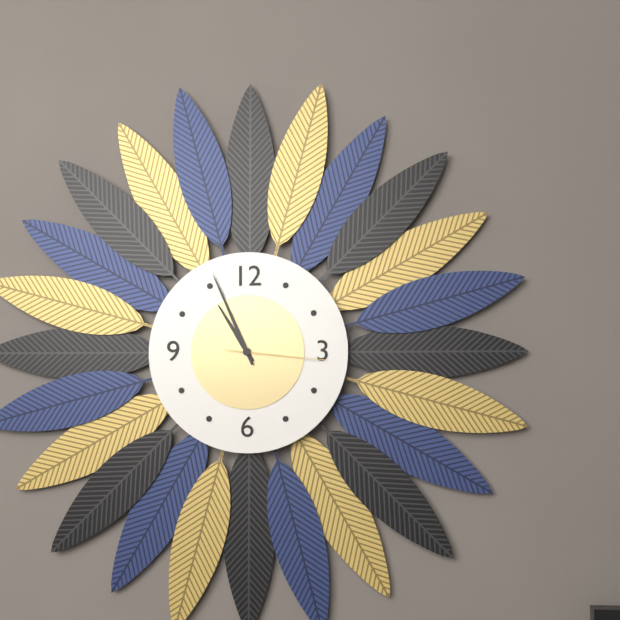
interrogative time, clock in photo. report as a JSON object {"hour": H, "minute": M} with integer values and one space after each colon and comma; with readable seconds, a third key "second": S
{"hour": 10, "minute": 56, "second": 16}
